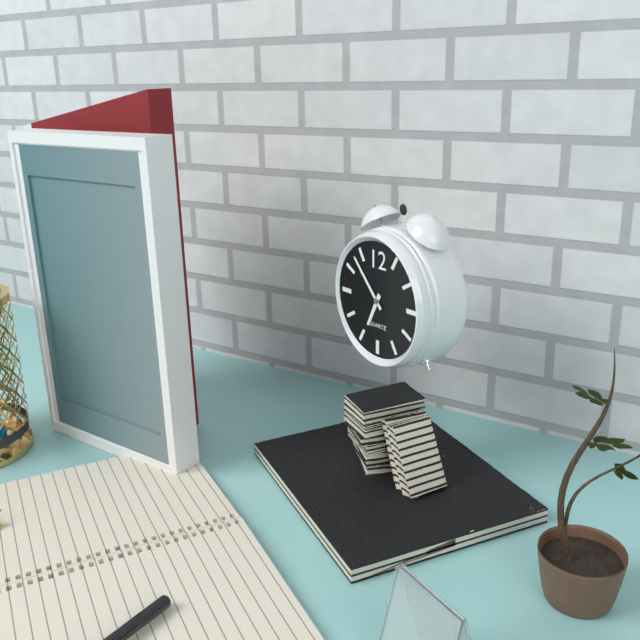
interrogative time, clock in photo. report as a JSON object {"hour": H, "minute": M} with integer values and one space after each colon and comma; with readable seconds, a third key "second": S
{"hour": 6, "minute": 53}
